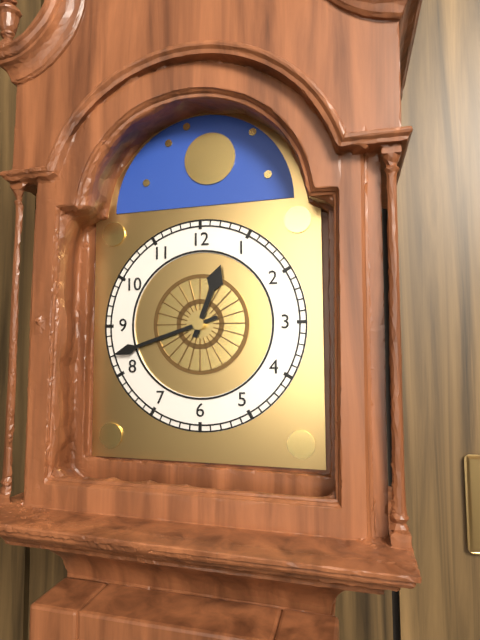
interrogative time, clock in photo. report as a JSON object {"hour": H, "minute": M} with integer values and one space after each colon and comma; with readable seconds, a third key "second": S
{"hour": 12, "minute": 42}
